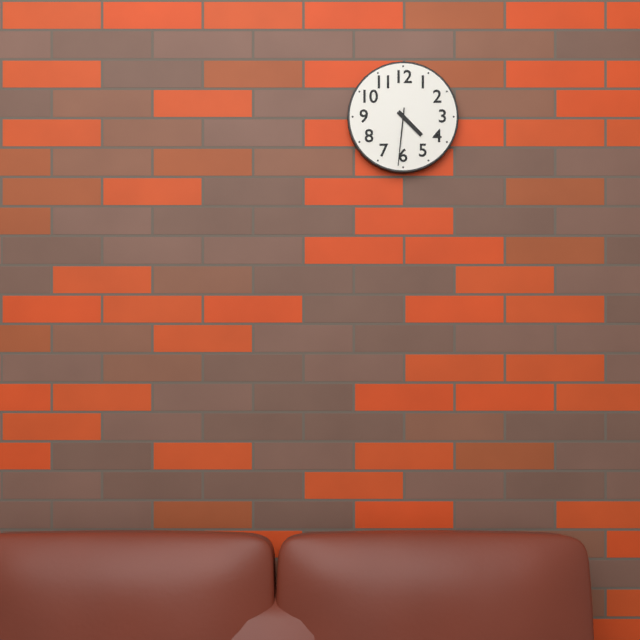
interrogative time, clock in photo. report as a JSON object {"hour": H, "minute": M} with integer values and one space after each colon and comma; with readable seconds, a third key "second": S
{"hour": 4, "minute": 31}
